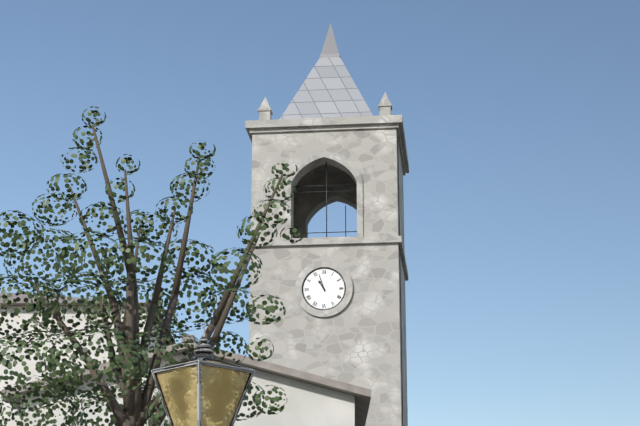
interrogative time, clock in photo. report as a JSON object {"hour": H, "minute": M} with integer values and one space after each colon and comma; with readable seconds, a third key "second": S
{"hour": 10, "minute": 57}
